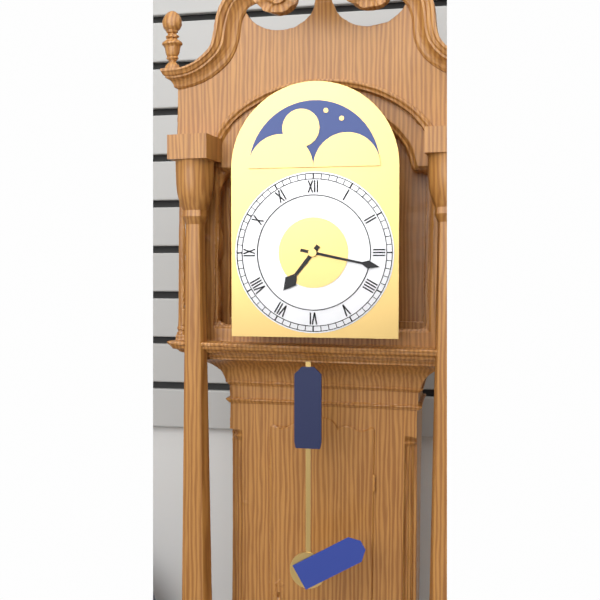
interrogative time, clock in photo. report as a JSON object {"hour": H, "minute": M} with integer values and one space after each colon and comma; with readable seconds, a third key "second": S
{"hour": 7, "minute": 17}
